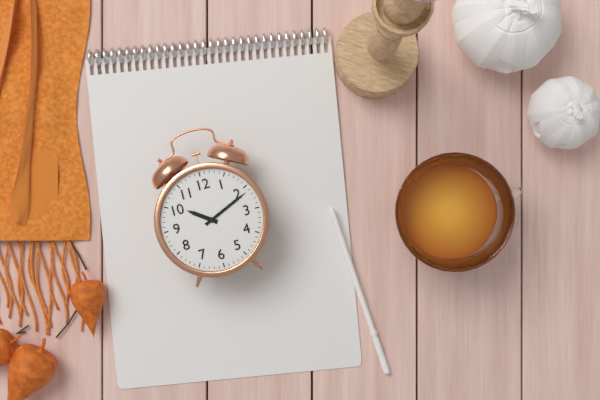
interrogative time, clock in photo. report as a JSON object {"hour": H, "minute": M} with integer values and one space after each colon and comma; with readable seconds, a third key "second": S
{"hour": 10, "minute": 11}
